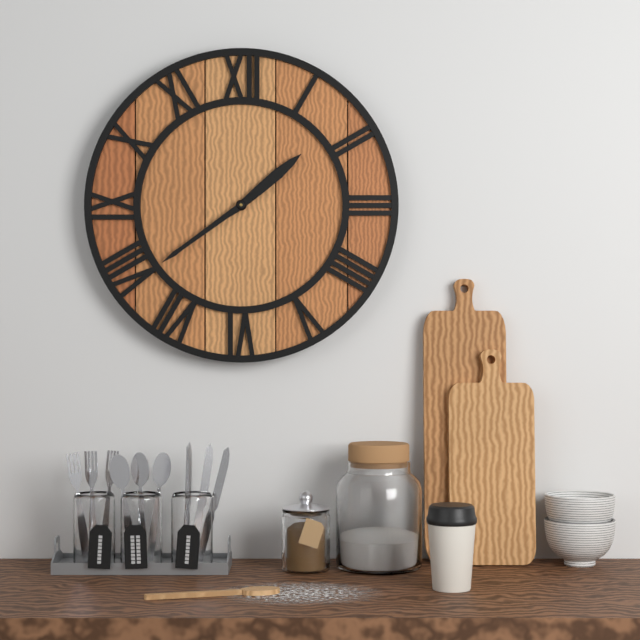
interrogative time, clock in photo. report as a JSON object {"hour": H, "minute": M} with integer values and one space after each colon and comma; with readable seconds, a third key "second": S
{"hour": 1, "minute": 39}
